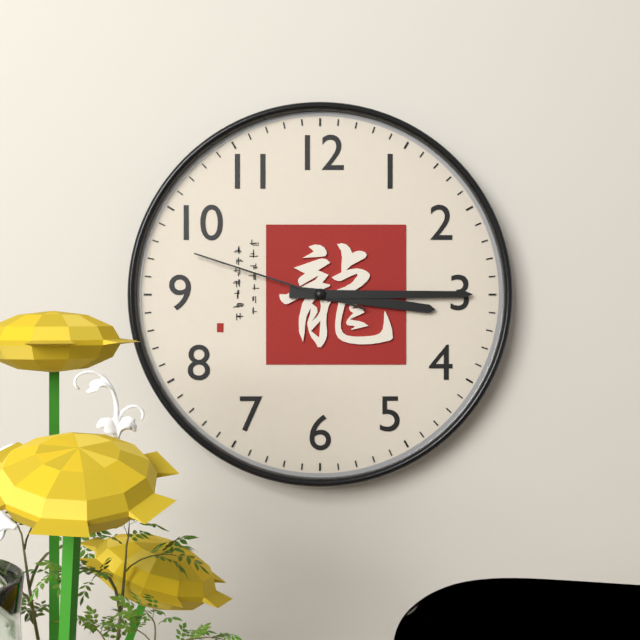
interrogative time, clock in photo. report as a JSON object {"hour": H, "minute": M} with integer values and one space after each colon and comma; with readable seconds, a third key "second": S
{"hour": 3, "minute": 15, "second": 48}
